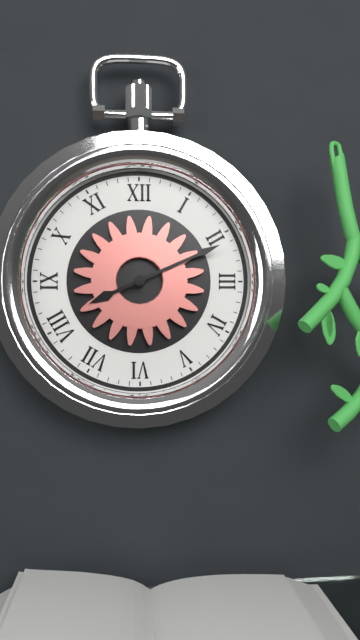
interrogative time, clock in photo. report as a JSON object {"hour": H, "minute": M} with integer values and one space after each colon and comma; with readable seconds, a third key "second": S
{"hour": 8, "minute": 11}
